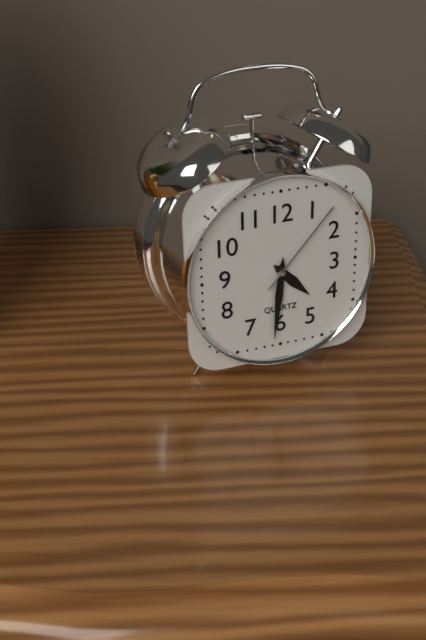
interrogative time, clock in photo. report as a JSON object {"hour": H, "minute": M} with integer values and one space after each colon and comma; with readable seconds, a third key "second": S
{"hour": 4, "minute": 31, "second": 7}
